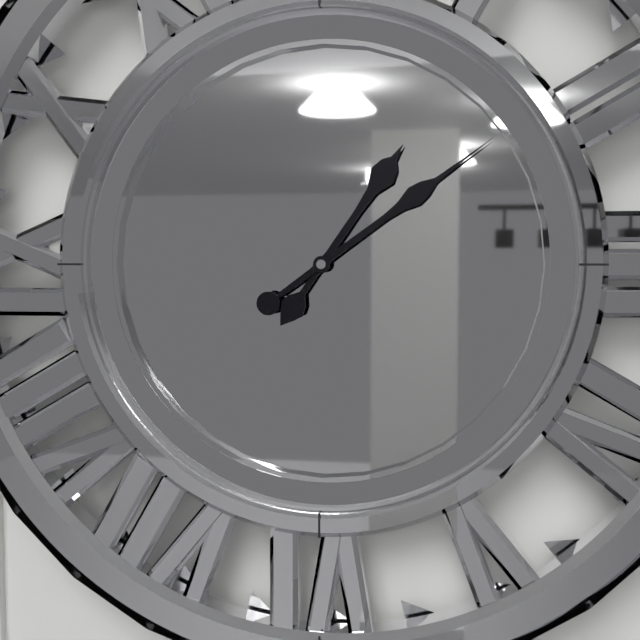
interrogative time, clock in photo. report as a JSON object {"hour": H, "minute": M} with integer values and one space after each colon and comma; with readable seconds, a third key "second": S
{"hour": 1, "minute": 9}
